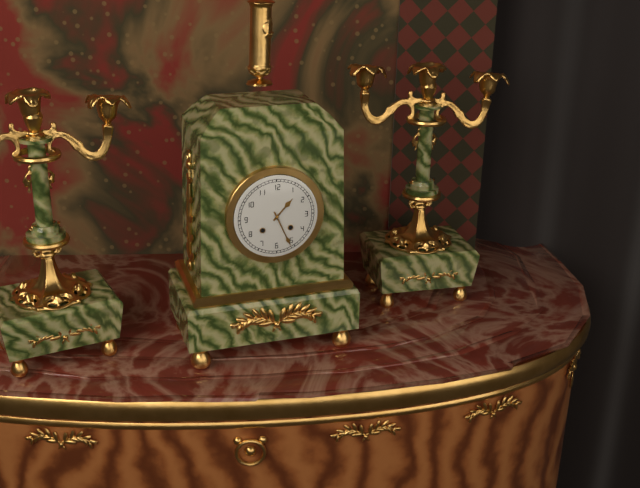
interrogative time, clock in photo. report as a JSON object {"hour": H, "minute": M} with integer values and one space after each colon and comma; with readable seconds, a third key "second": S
{"hour": 1, "minute": 26}
